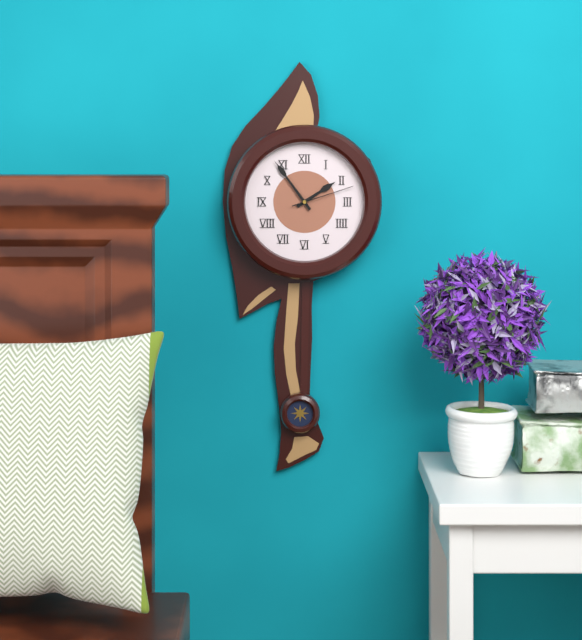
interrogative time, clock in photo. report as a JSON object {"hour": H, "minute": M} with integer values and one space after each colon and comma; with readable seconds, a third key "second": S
{"hour": 1, "minute": 54, "second": 12}
